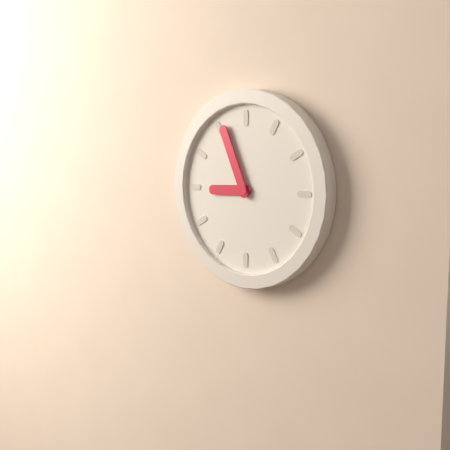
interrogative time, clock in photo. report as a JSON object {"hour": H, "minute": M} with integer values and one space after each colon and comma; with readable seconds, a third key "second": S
{"hour": 8, "minute": 56}
